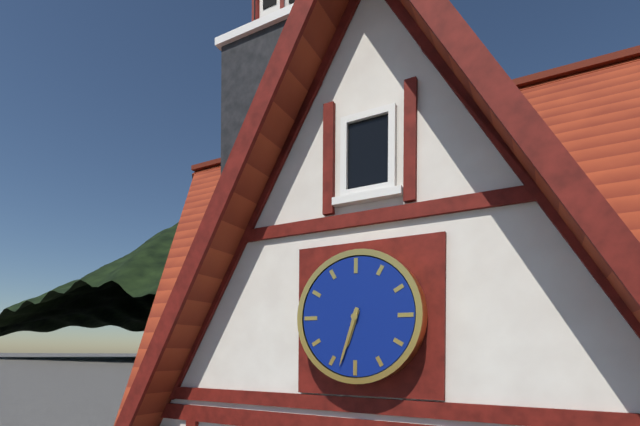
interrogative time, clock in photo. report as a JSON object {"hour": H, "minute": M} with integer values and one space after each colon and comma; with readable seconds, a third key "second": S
{"hour": 6, "minute": 33}
